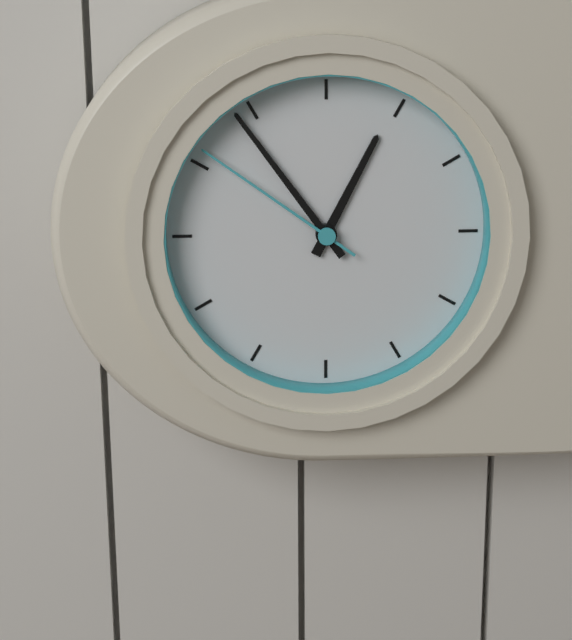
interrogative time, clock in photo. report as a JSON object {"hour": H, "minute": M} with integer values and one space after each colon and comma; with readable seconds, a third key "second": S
{"hour": 12, "minute": 54, "second": 51}
